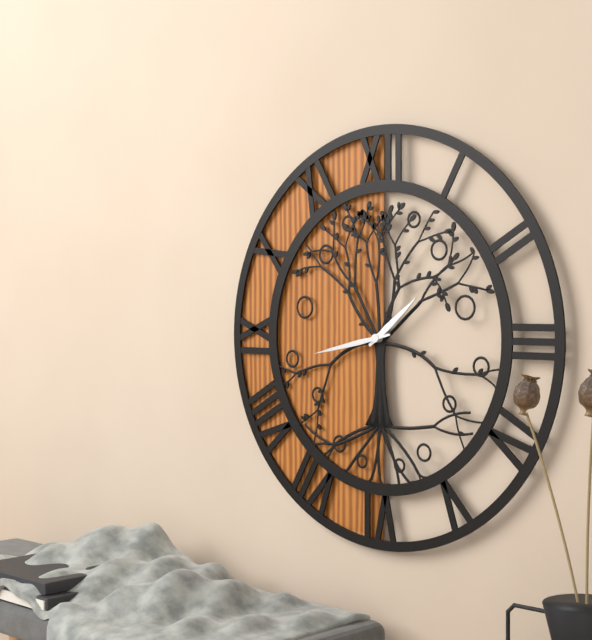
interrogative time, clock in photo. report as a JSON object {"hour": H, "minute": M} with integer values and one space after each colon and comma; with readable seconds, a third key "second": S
{"hour": 1, "minute": 43}
